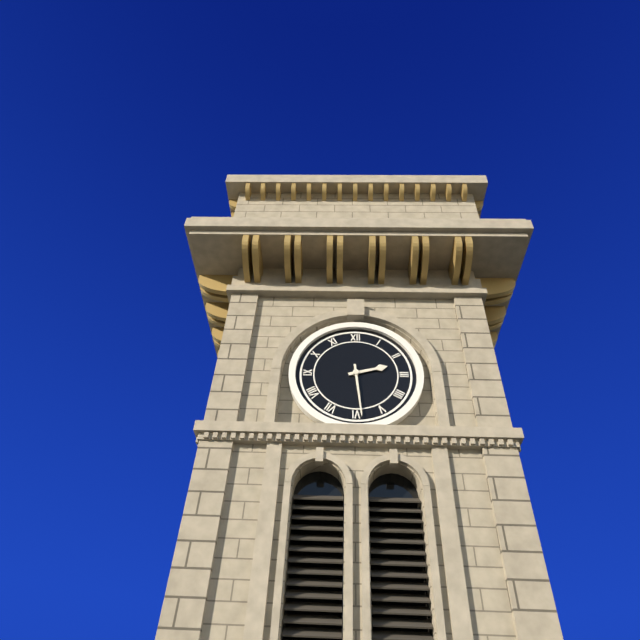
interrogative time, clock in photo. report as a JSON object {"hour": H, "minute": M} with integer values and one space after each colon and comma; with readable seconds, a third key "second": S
{"hour": 2, "minute": 29}
